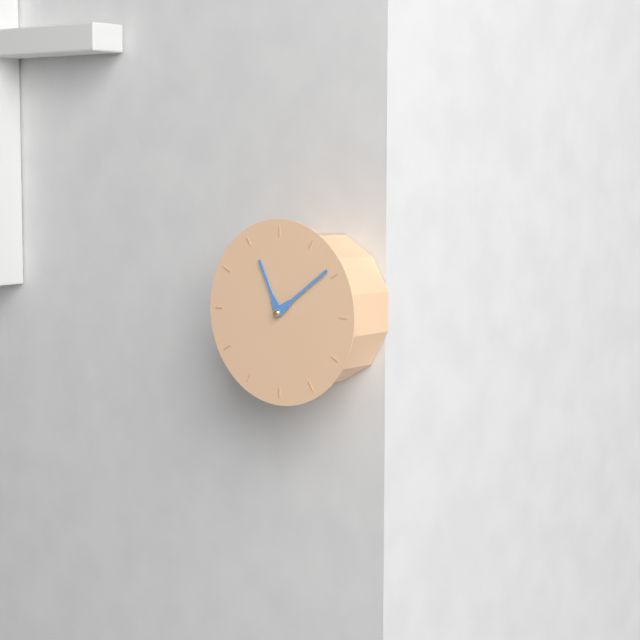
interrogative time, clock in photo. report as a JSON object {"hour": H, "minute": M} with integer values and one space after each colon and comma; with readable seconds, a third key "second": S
{"hour": 11, "minute": 9}
